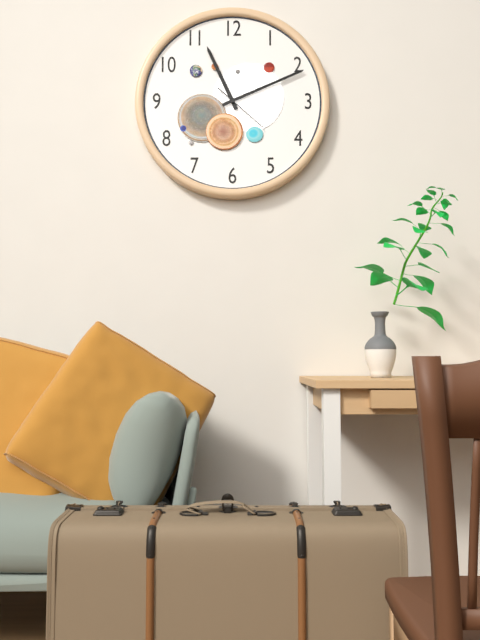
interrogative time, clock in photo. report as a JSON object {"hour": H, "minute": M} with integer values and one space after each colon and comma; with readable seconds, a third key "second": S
{"hour": 11, "minute": 11, "second": 22}
